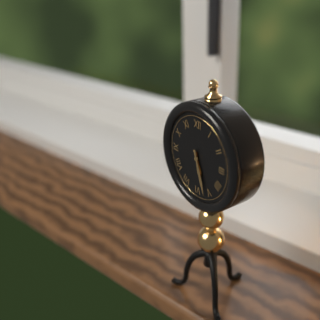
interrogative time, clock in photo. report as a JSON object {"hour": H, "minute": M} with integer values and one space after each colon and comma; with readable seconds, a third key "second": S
{"hour": 5, "minute": 27}
